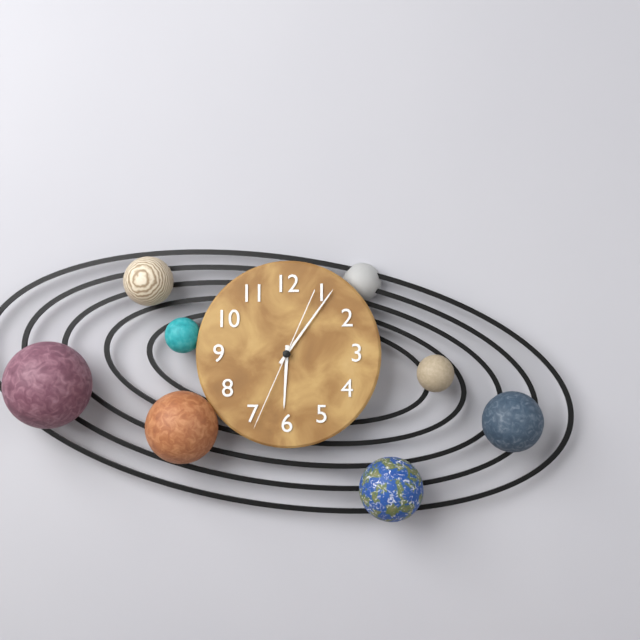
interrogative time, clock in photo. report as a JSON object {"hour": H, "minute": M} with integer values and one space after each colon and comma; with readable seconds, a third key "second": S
{"hour": 6, "minute": 6, "second": 34}
